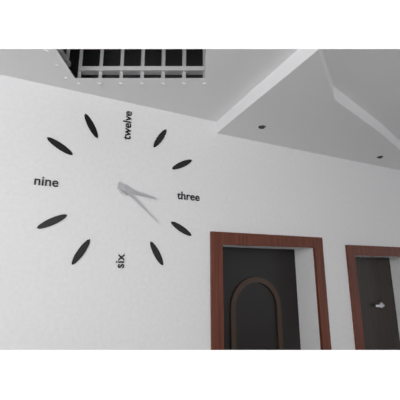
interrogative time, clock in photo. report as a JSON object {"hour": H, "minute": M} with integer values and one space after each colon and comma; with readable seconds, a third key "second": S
{"hour": 3, "minute": 22}
